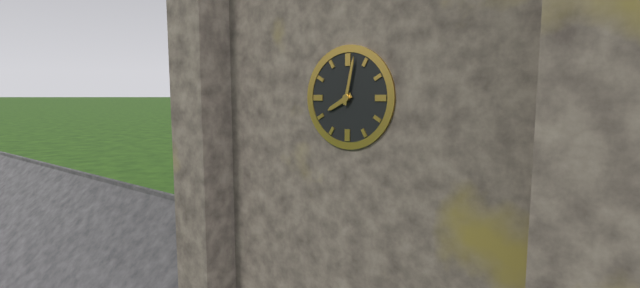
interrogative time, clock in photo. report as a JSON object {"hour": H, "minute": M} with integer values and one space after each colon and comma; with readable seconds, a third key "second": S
{"hour": 8, "minute": 2}
